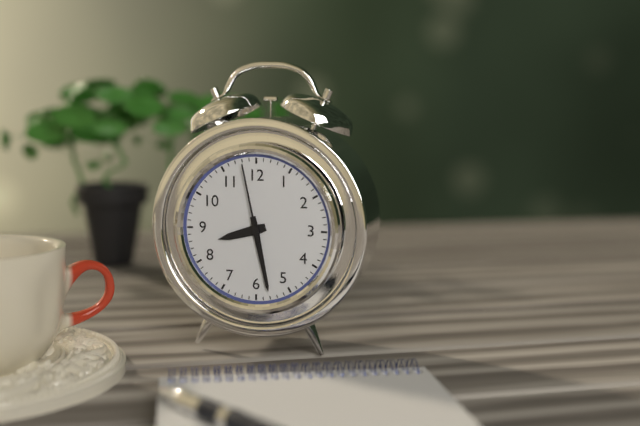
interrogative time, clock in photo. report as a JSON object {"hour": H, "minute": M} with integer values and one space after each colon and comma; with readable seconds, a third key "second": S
{"hour": 8, "minute": 28, "second": 58}
